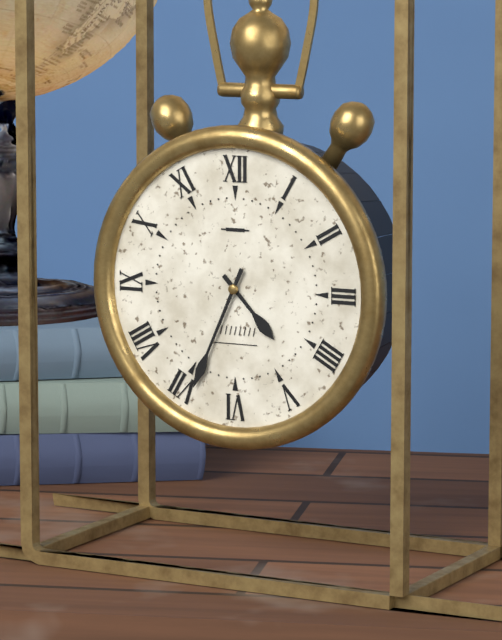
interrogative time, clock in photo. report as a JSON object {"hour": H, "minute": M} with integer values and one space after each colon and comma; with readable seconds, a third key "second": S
{"hour": 4, "minute": 34}
